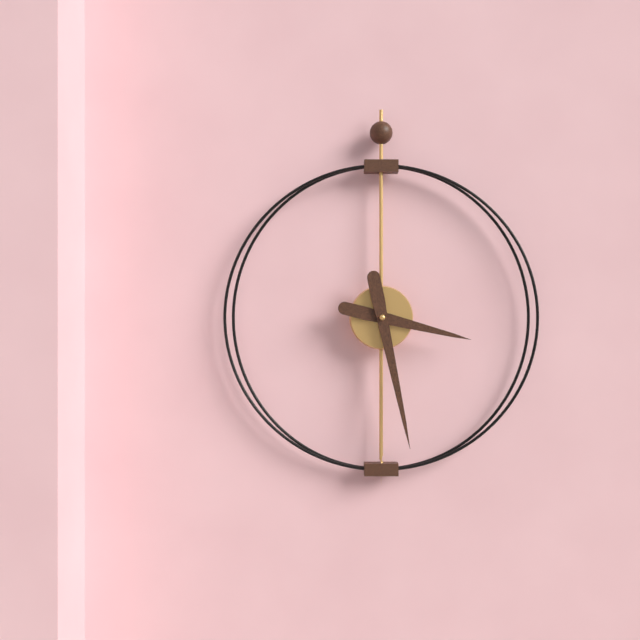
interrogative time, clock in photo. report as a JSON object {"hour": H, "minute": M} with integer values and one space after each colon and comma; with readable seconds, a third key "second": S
{"hour": 3, "minute": 28}
